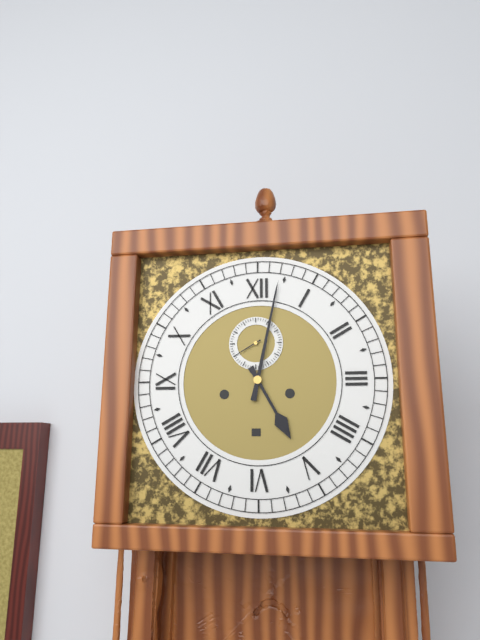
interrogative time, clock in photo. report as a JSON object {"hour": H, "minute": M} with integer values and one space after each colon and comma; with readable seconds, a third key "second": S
{"hour": 5, "minute": 2}
